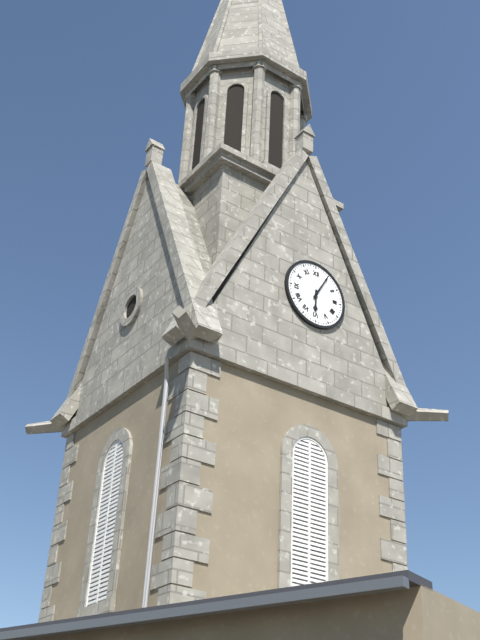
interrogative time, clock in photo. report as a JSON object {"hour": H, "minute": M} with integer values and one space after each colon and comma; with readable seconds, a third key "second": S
{"hour": 6, "minute": 5}
